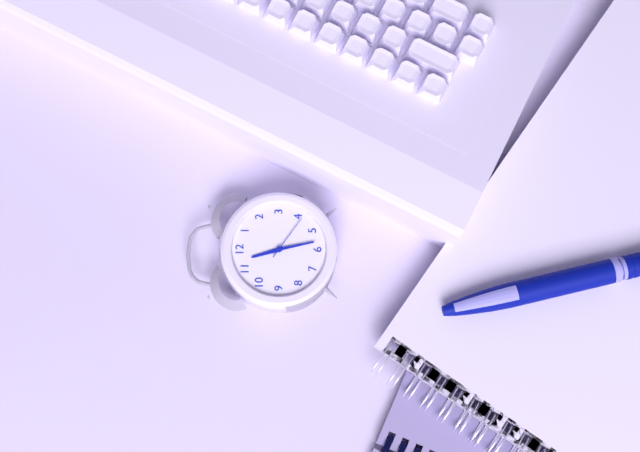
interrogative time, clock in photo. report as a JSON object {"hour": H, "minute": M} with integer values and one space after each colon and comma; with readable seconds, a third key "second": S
{"hour": 11, "minute": 28}
